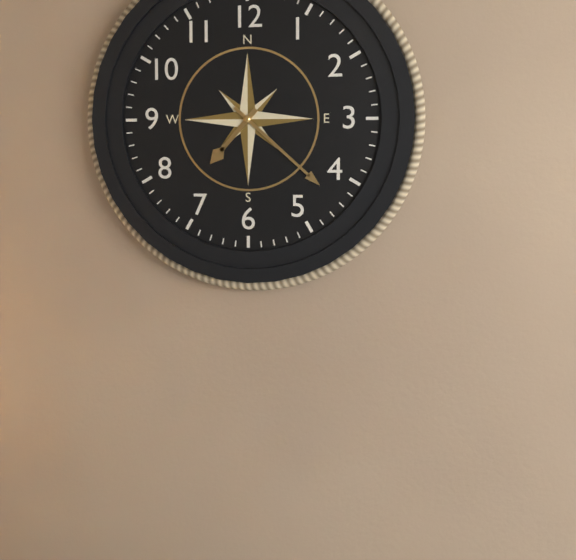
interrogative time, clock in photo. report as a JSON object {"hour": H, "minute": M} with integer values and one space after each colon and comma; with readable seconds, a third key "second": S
{"hour": 7, "minute": 22}
